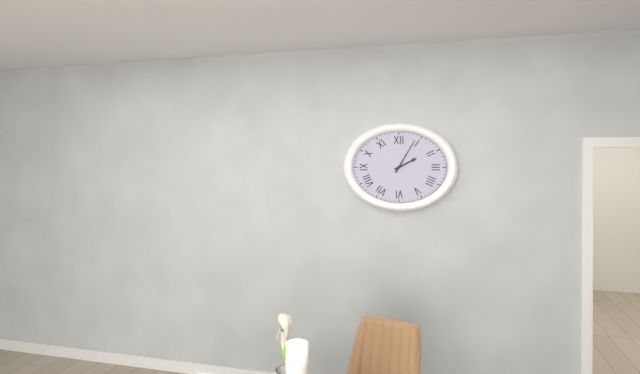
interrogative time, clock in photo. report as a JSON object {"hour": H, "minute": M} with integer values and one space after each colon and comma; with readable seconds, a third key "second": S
{"hour": 2, "minute": 5}
